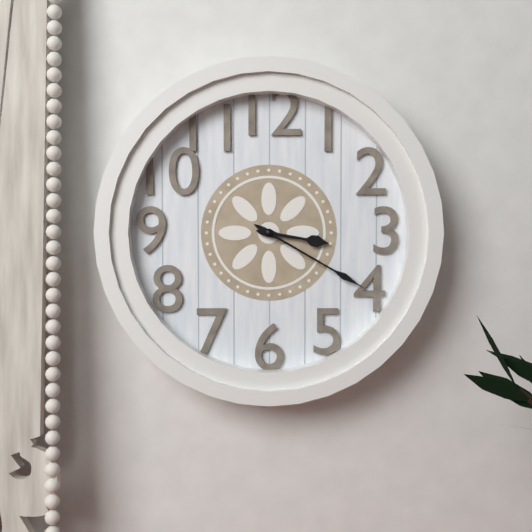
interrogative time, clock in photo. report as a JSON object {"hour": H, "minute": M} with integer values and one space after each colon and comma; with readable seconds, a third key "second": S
{"hour": 3, "minute": 20}
